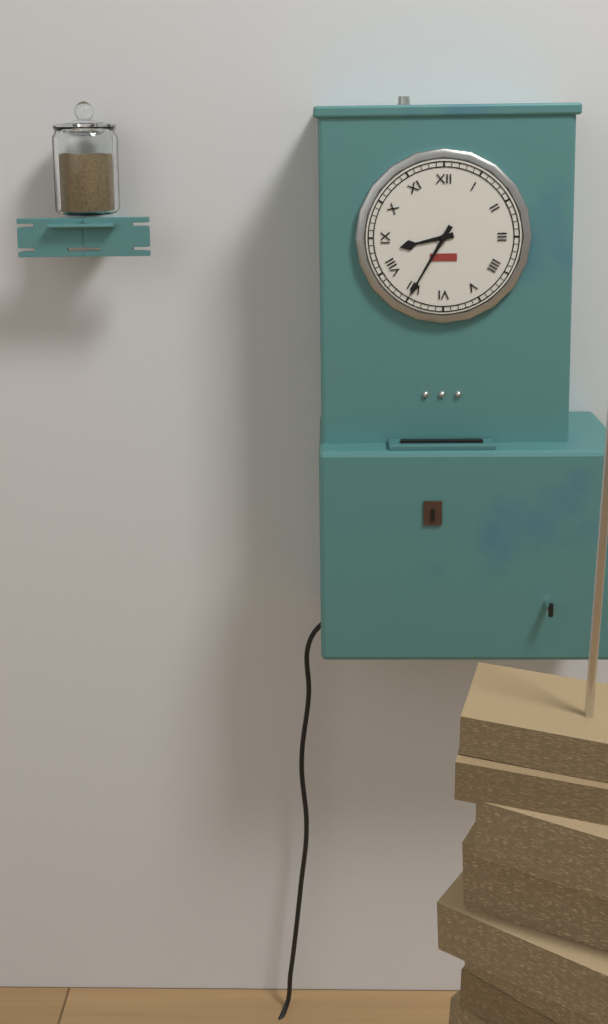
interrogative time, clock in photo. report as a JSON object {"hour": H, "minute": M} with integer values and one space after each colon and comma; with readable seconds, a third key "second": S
{"hour": 8, "minute": 35}
